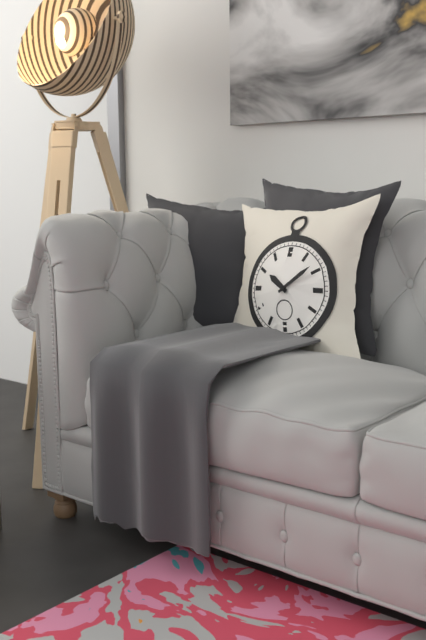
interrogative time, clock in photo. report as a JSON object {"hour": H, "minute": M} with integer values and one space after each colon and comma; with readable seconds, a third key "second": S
{"hour": 10, "minute": 9}
